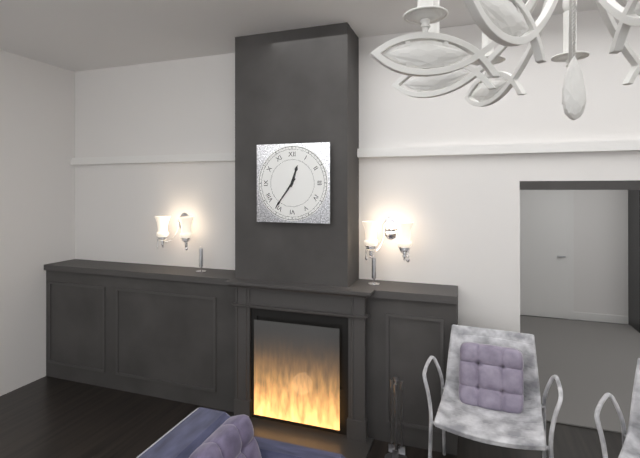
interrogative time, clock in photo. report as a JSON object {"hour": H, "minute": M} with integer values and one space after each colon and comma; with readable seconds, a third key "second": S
{"hour": 12, "minute": 36}
